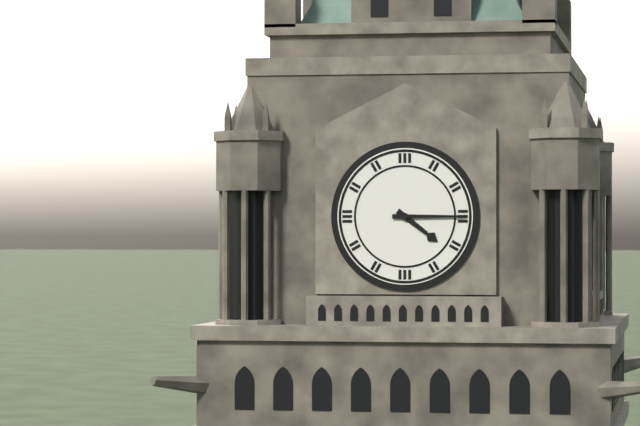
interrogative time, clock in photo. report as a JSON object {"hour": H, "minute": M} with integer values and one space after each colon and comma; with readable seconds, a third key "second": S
{"hour": 4, "minute": 15}
